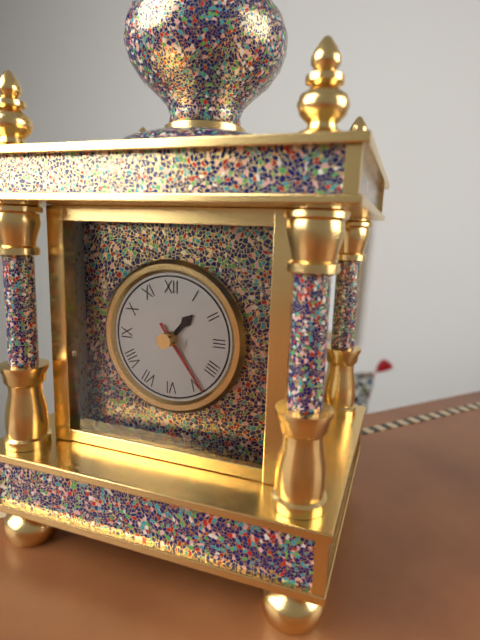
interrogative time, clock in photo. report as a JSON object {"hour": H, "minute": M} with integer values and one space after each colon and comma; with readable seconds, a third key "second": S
{"hour": 1, "minute": 24}
